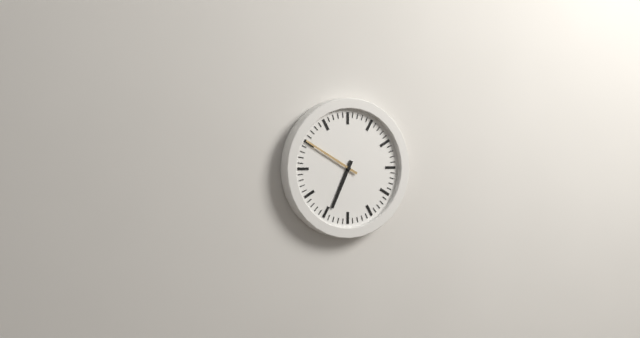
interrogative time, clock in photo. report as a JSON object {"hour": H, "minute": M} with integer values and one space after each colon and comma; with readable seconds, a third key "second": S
{"hour": 6, "minute": 50}
